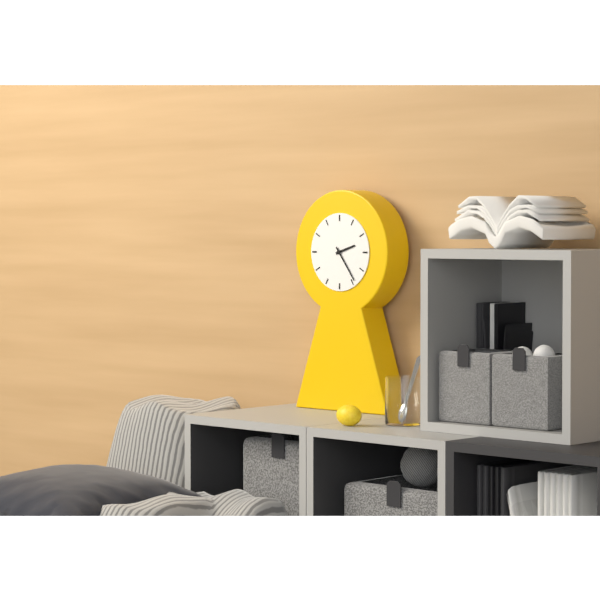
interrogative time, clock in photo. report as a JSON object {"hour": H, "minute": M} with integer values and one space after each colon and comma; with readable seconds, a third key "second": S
{"hour": 2, "minute": 24}
